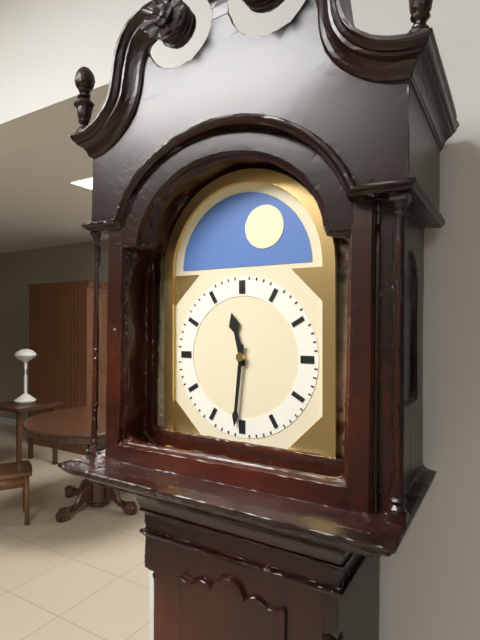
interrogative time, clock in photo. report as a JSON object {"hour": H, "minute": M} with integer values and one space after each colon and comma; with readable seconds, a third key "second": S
{"hour": 11, "minute": 31}
